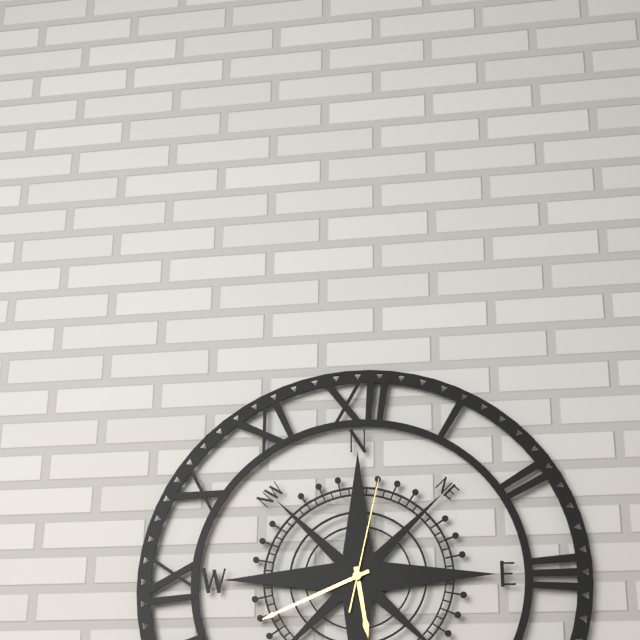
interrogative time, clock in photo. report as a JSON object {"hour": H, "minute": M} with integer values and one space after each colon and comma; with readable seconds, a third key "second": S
{"hour": 5, "minute": 41, "second": 2}
